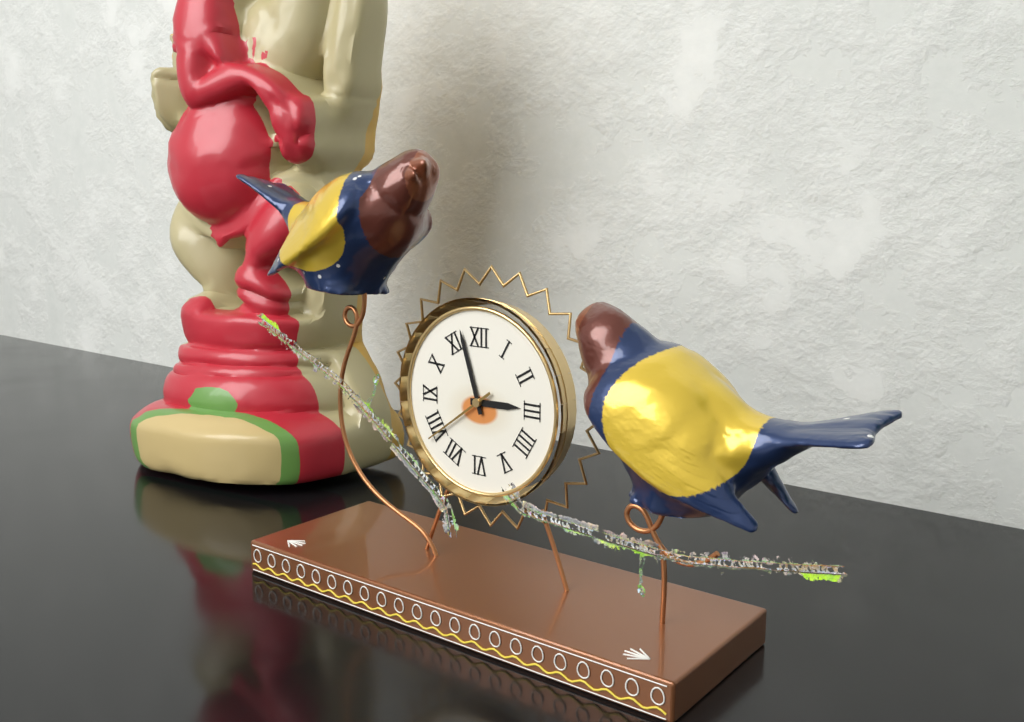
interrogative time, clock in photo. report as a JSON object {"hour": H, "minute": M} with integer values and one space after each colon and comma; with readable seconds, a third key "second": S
{"hour": 2, "minute": 57, "second": 39}
